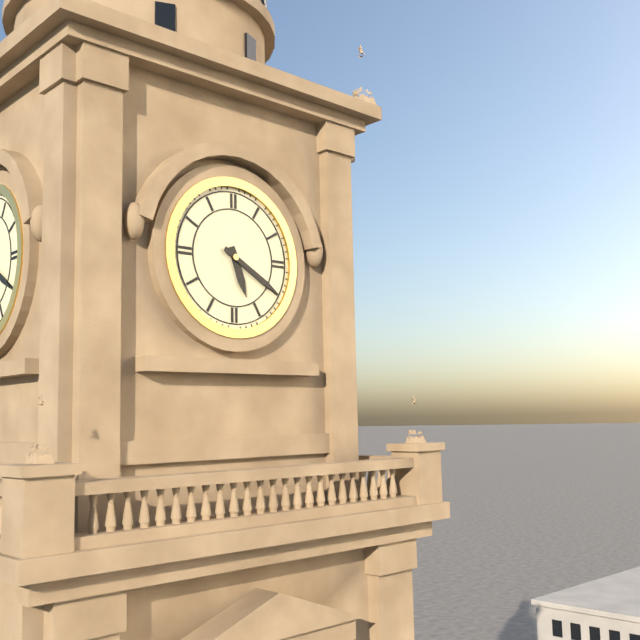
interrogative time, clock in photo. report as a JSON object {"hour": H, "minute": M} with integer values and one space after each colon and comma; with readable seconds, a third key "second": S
{"hour": 5, "minute": 20}
